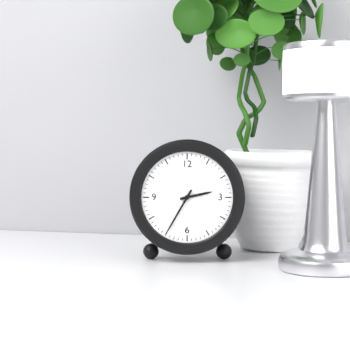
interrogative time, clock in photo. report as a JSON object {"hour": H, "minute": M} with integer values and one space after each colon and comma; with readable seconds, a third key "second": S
{"hour": 2, "minute": 35}
